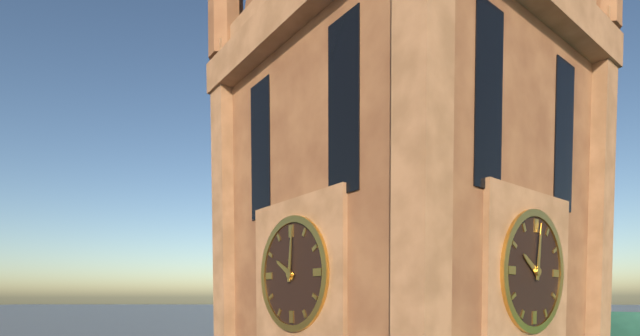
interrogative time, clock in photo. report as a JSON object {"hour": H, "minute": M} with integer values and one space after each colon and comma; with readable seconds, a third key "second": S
{"hour": 10, "minute": 1}
